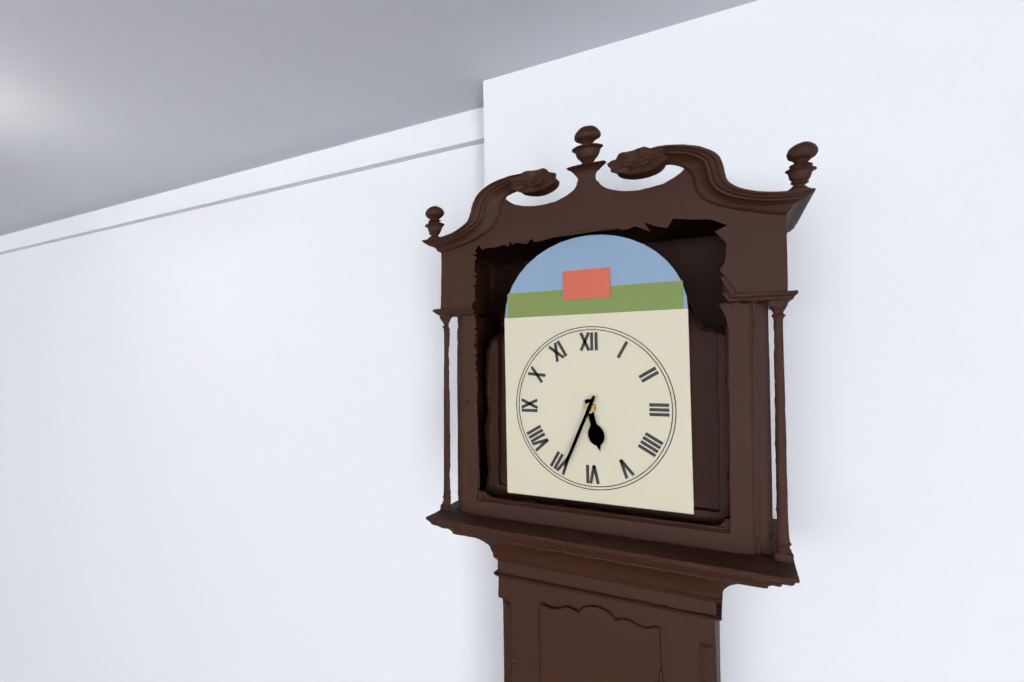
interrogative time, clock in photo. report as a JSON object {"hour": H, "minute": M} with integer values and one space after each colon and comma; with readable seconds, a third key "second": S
{"hour": 5, "minute": 34}
